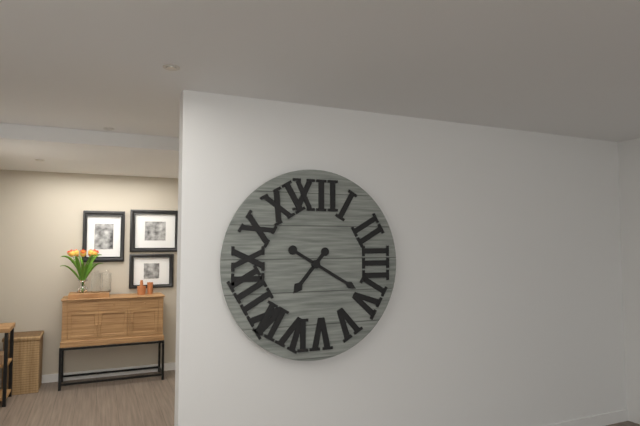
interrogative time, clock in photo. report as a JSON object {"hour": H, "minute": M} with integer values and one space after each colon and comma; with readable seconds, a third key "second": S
{"hour": 7, "minute": 20}
